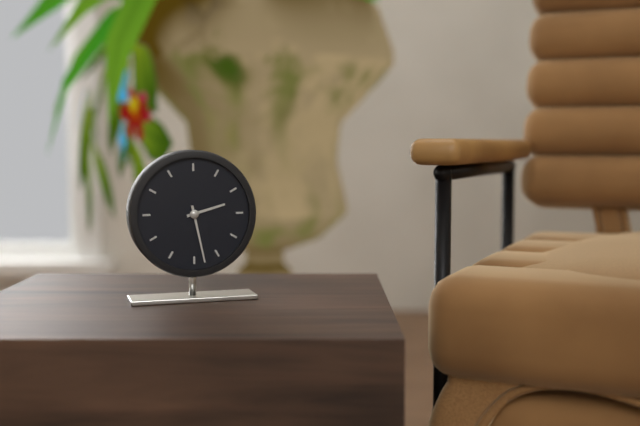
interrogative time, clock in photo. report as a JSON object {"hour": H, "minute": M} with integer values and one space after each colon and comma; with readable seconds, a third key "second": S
{"hour": 2, "minute": 28}
